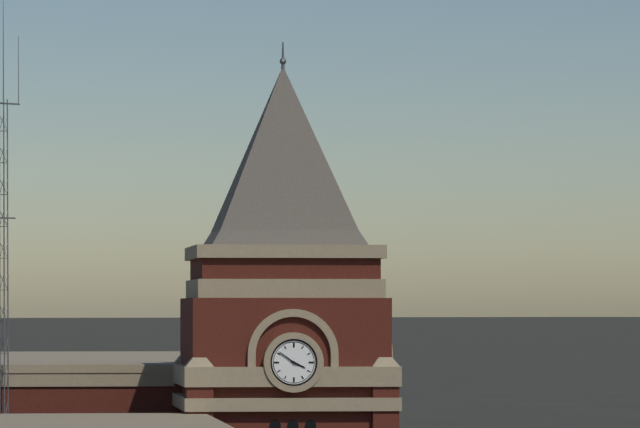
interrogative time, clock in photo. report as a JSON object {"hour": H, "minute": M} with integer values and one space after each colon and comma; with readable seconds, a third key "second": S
{"hour": 3, "minute": 51}
